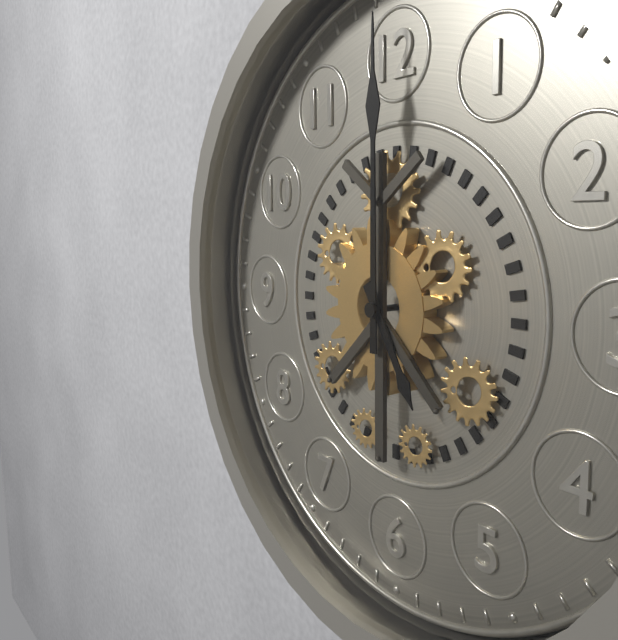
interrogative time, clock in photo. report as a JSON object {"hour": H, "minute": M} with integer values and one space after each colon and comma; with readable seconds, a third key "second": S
{"hour": 5, "minute": 0}
